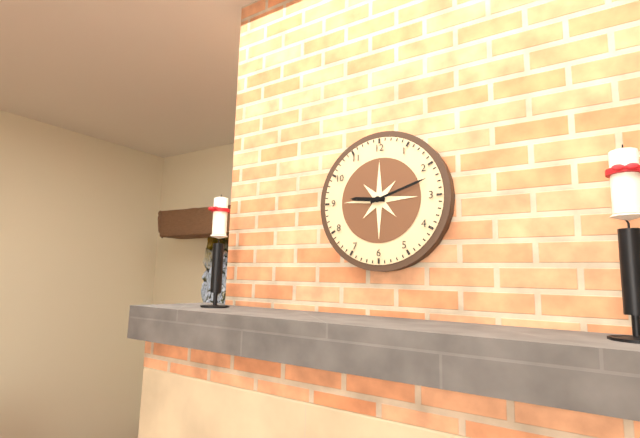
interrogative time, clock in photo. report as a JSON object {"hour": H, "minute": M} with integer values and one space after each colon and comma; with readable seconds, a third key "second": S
{"hour": 9, "minute": 12}
